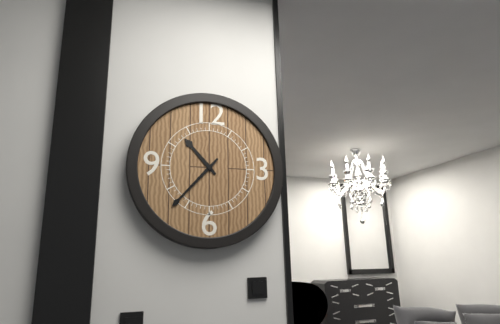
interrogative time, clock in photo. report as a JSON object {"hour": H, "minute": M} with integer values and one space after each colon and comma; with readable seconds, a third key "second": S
{"hour": 10, "minute": 37}
